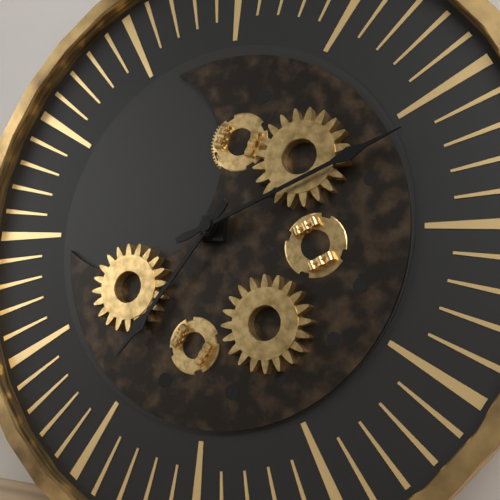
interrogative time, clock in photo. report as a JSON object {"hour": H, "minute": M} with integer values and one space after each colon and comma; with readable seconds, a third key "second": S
{"hour": 7, "minute": 11}
